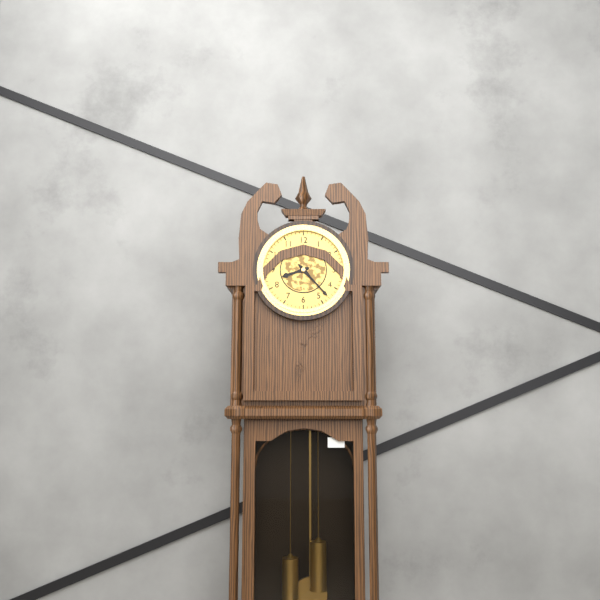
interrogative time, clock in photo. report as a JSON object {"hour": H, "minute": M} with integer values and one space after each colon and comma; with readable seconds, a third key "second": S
{"hour": 8, "minute": 23}
